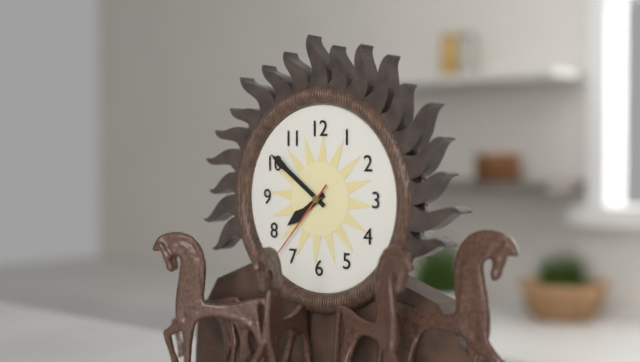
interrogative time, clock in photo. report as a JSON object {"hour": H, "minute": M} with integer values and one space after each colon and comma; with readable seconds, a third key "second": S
{"hour": 7, "minute": 51, "second": 37}
